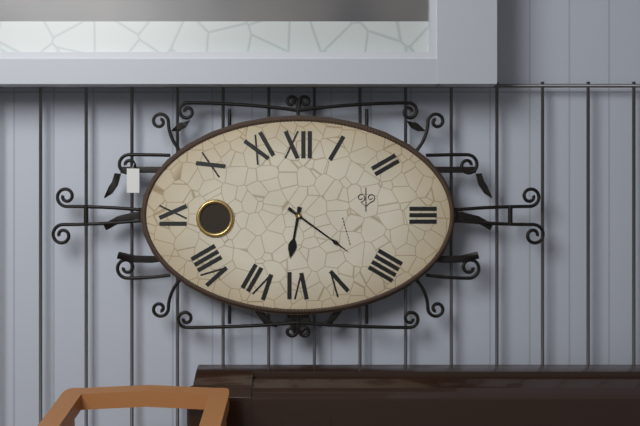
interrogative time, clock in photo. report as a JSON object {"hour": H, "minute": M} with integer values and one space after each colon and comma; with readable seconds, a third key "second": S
{"hour": 6, "minute": 21}
